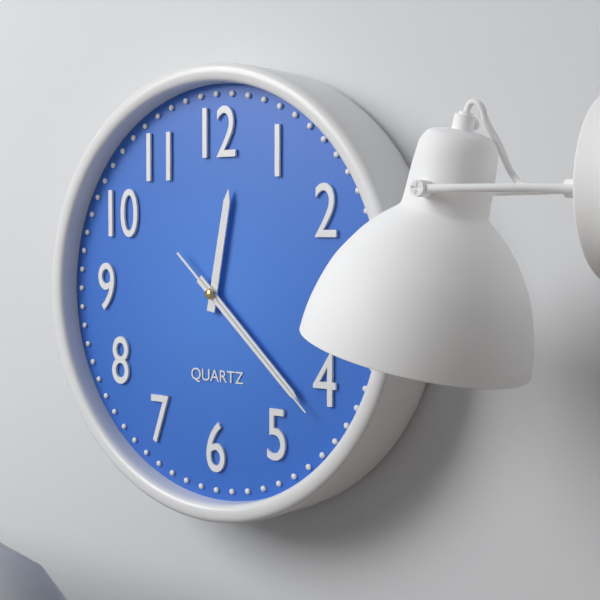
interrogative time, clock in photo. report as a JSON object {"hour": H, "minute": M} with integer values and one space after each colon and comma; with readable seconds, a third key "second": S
{"hour": 12, "minute": 22, "second": 22}
